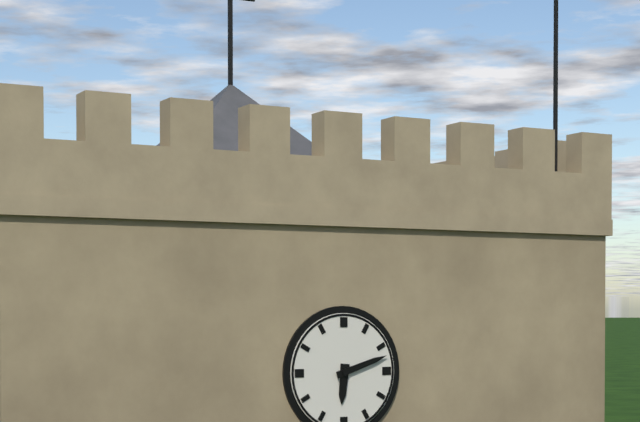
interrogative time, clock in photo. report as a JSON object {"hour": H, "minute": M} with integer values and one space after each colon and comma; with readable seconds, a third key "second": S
{"hour": 6, "minute": 12}
